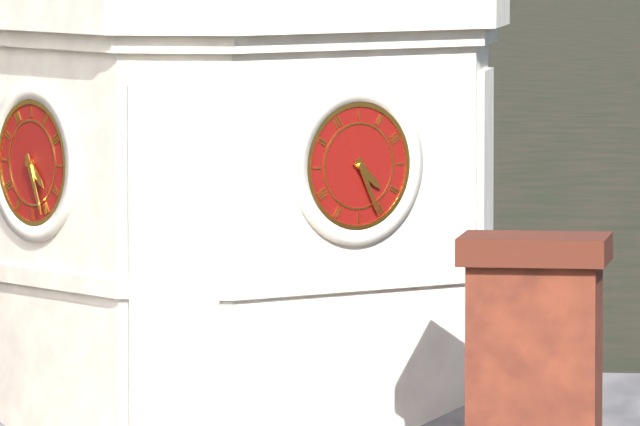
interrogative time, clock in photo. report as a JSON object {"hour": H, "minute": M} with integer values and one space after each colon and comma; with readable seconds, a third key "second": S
{"hour": 4, "minute": 26}
